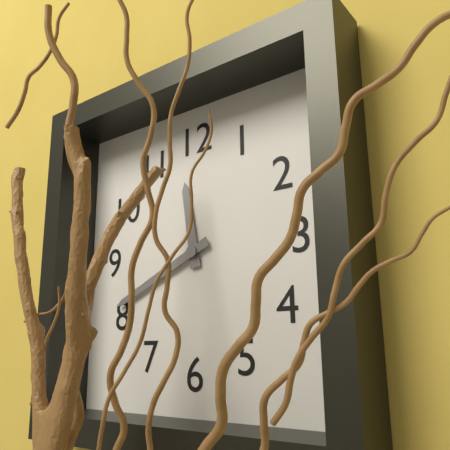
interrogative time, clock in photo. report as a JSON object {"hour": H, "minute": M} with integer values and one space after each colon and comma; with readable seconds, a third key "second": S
{"hour": 11, "minute": 41}
